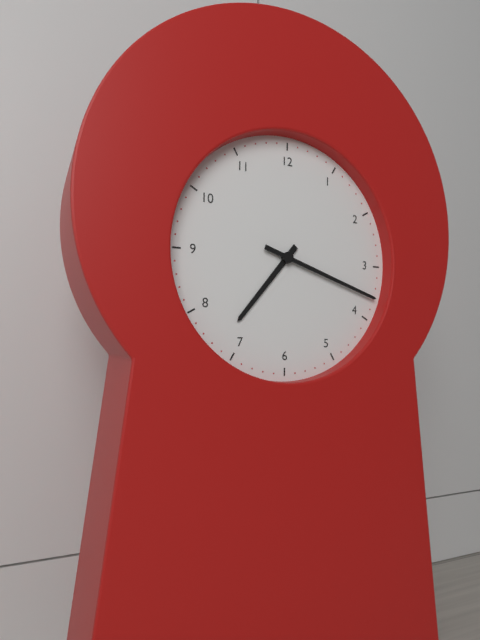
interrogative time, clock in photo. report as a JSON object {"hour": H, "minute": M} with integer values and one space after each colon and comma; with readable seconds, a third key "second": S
{"hour": 7, "minute": 18}
